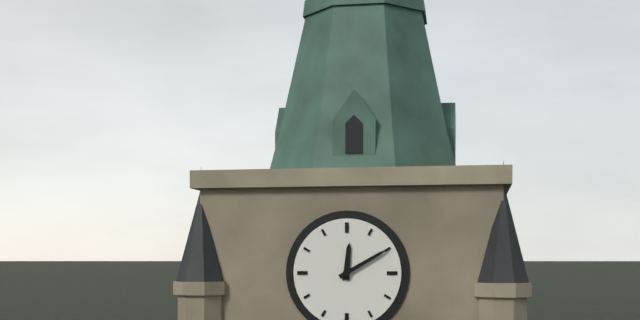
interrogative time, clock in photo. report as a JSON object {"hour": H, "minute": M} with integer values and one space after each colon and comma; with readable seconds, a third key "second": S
{"hour": 12, "minute": 10}
